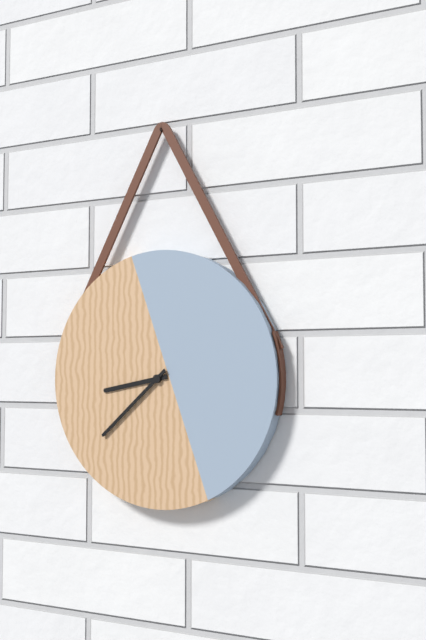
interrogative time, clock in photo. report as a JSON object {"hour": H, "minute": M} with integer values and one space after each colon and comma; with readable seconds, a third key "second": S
{"hour": 8, "minute": 38}
